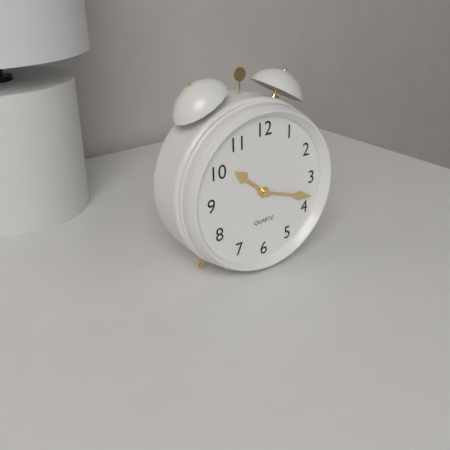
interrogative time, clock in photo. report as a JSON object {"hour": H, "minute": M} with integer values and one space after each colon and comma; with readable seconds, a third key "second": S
{"hour": 10, "minute": 18}
